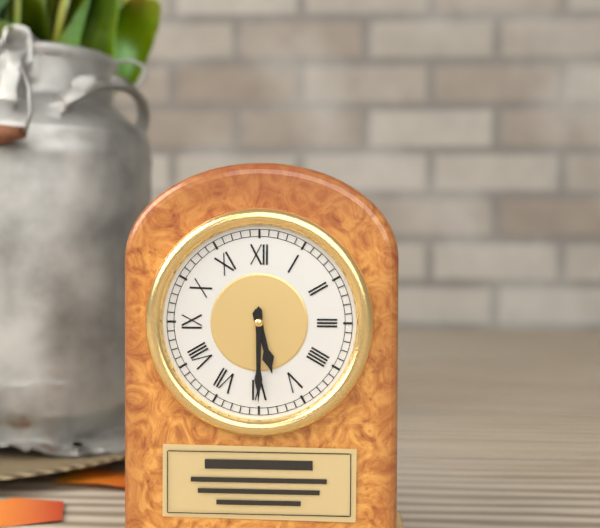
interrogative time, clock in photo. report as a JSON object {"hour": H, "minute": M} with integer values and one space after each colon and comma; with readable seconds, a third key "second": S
{"hour": 5, "minute": 30}
